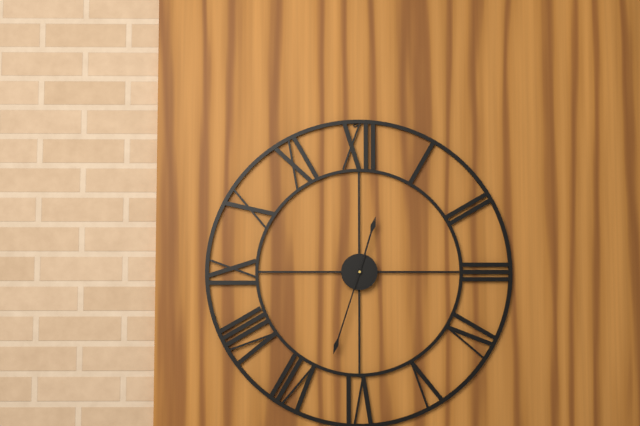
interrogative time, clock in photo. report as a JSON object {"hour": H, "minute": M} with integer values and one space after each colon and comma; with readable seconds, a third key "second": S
{"hour": 12, "minute": 33}
